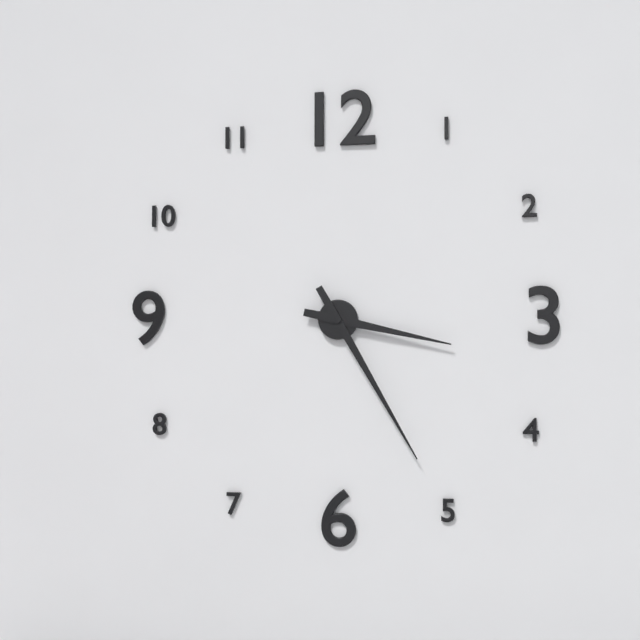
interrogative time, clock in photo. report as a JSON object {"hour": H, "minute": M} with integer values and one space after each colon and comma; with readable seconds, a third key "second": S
{"hour": 3, "minute": 25}
